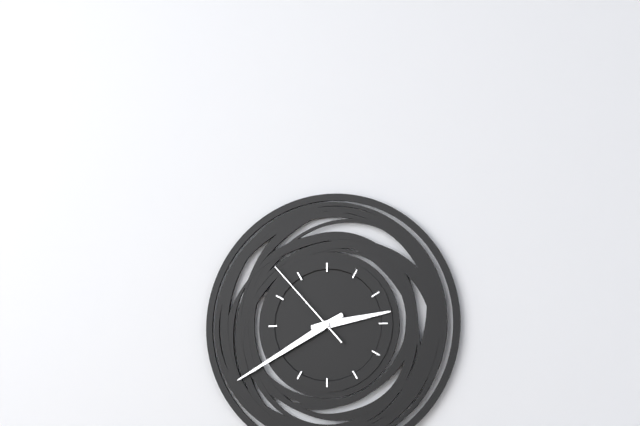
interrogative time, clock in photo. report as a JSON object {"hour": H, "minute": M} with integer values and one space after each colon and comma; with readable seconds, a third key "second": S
{"hour": 2, "minute": 40, "second": 53}
